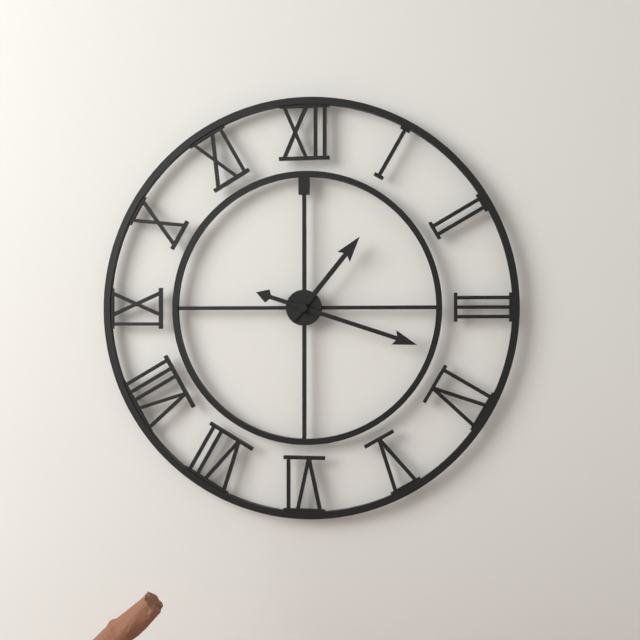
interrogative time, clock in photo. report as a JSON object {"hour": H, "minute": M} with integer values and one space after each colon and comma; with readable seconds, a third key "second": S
{"hour": 1, "minute": 18}
